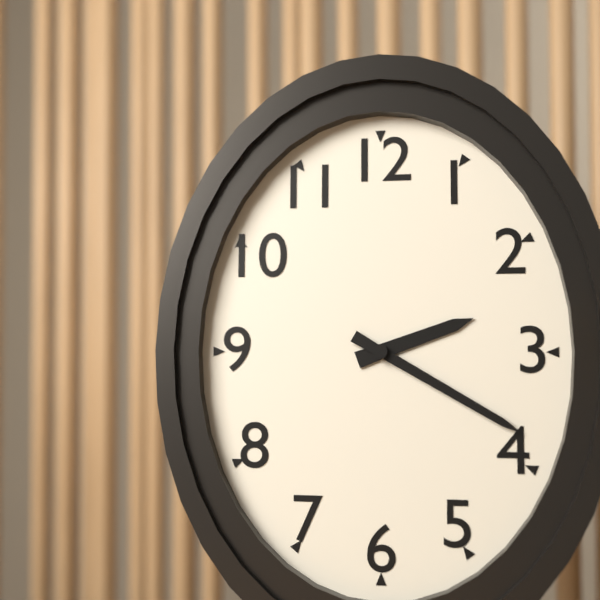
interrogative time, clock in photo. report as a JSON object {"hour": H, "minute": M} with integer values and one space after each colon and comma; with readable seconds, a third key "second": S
{"hour": 2, "minute": 20}
